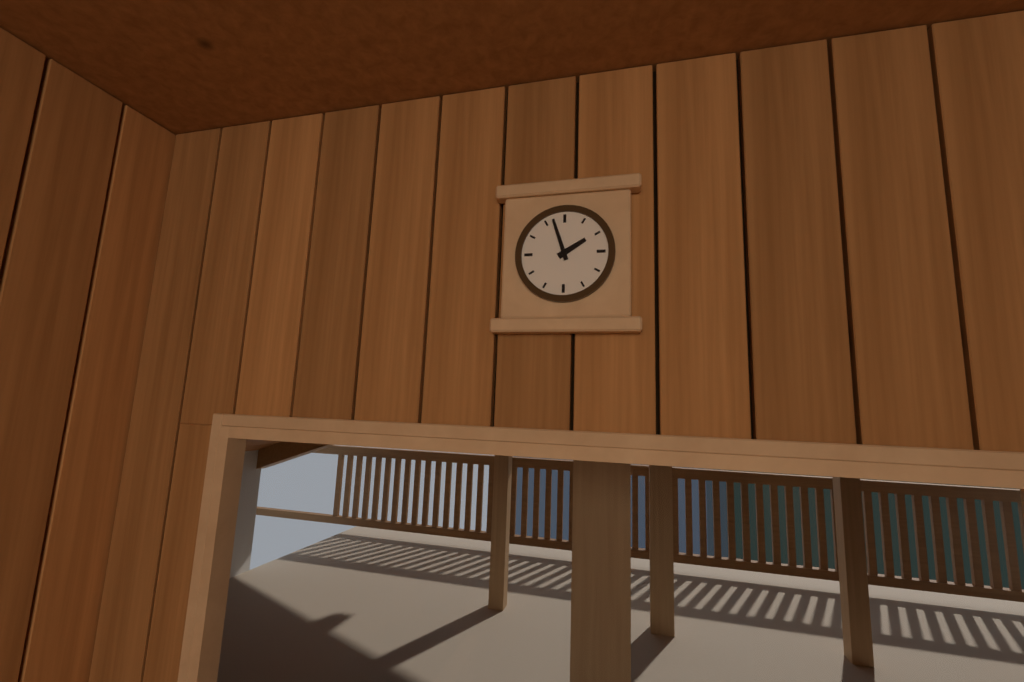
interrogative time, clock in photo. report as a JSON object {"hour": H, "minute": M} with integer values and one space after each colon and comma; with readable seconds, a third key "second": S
{"hour": 1, "minute": 57}
